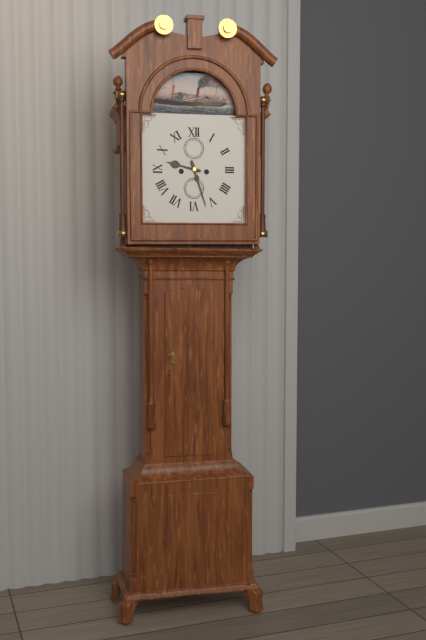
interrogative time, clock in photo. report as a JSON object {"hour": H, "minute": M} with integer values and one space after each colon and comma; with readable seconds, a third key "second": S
{"hour": 9, "minute": 27}
